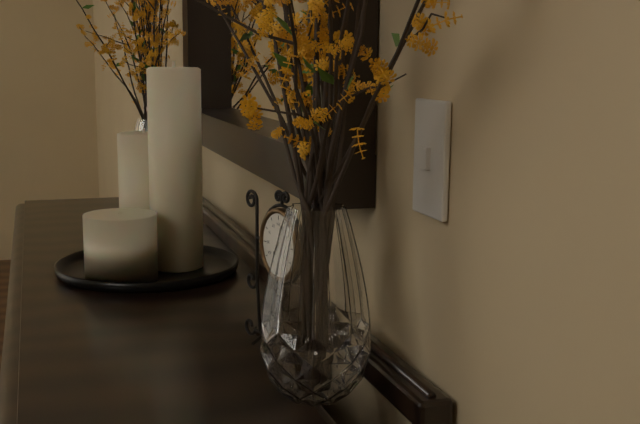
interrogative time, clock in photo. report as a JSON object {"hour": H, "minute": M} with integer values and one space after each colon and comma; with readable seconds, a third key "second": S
{"hour": 7, "minute": 3}
